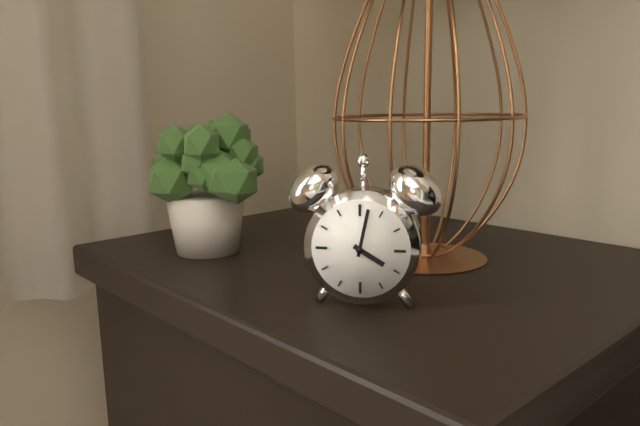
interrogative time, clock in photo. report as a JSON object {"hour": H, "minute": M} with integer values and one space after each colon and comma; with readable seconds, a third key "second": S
{"hour": 4, "minute": 2}
